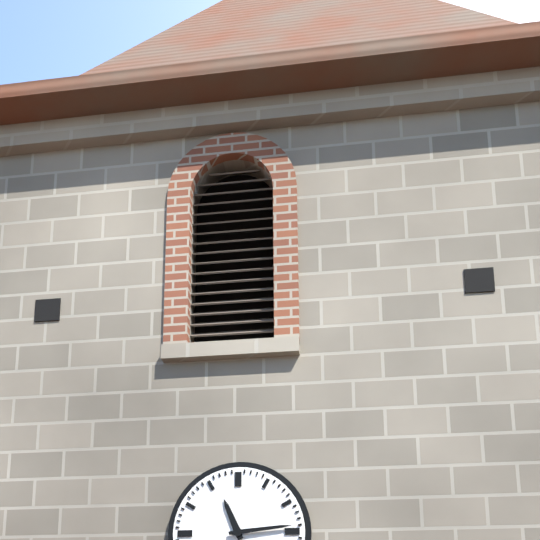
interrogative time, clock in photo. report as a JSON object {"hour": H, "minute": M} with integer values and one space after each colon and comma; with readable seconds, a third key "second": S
{"hour": 11, "minute": 14}
